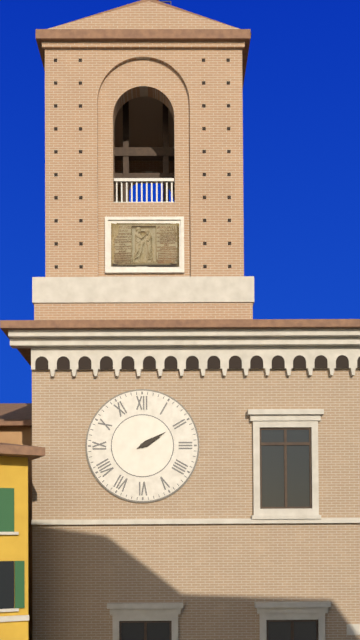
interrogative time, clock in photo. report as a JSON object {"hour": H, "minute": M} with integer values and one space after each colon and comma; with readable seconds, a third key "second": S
{"hour": 2, "minute": 10}
